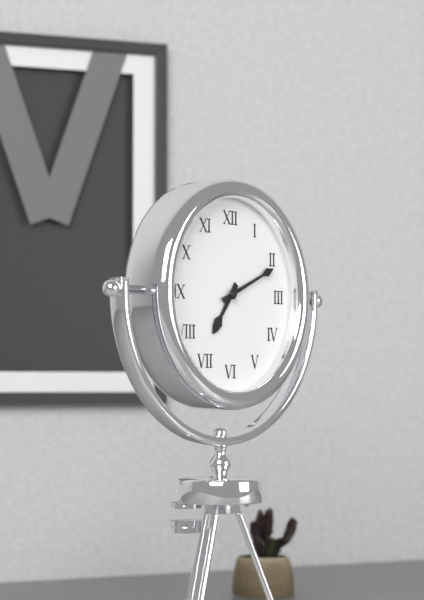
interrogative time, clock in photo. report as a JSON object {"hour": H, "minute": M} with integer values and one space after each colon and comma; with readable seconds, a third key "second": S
{"hour": 7, "minute": 11}
